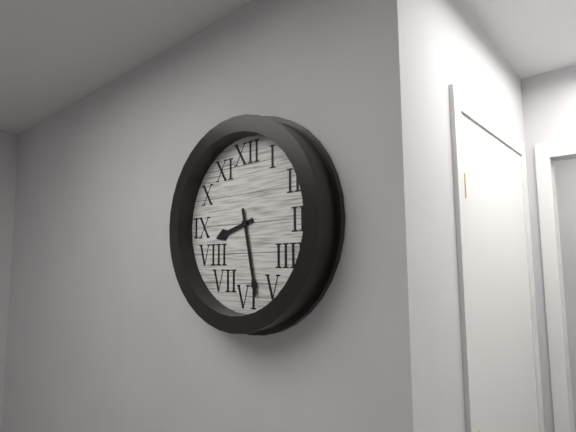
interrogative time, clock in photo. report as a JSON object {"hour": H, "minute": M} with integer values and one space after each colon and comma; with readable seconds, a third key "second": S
{"hour": 8, "minute": 28}
